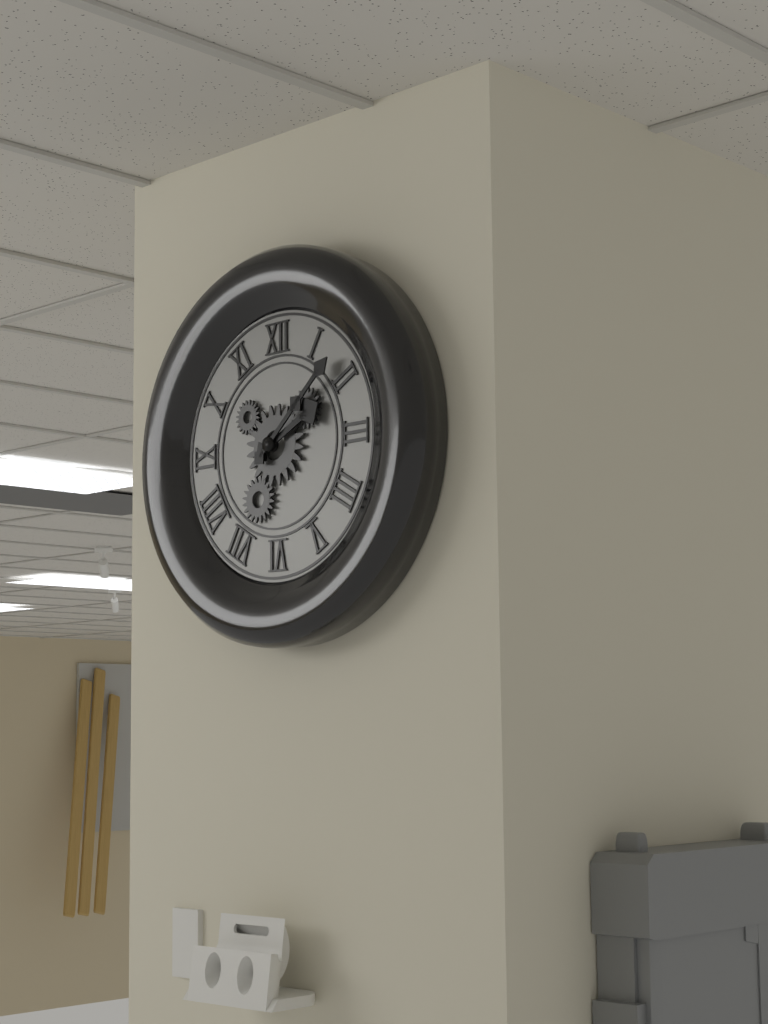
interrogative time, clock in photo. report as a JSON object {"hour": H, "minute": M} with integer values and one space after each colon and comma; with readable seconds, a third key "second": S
{"hour": 2, "minute": 8}
